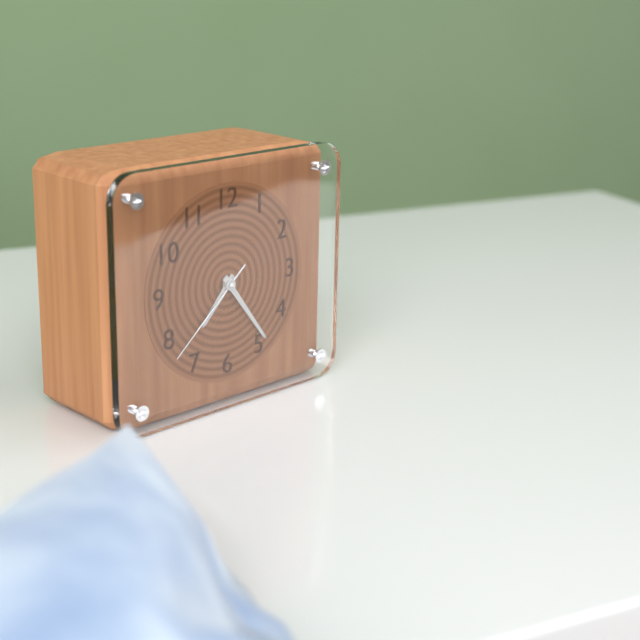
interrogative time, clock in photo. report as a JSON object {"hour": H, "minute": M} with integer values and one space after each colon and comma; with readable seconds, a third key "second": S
{"hour": 7, "minute": 24, "second": 38}
